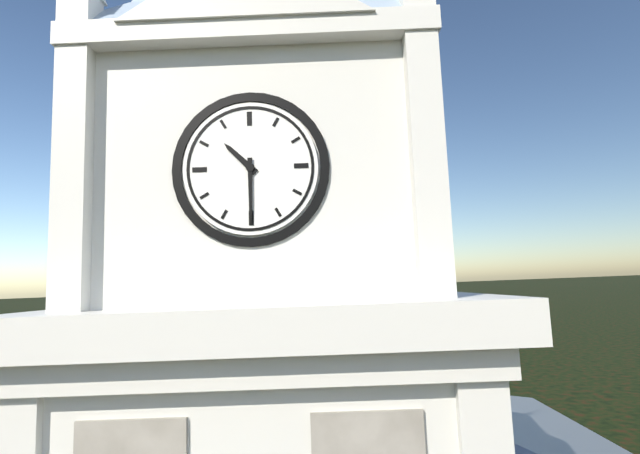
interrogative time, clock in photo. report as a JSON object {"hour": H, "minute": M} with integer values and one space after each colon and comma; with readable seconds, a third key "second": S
{"hour": 10, "minute": 30}
